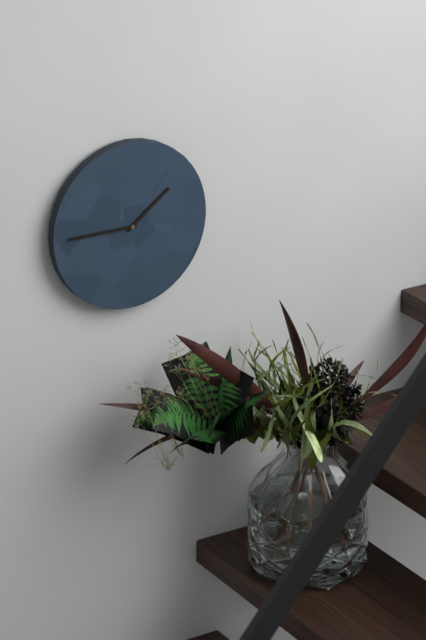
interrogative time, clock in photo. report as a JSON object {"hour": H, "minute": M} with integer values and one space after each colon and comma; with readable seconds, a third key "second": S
{"hour": 1, "minute": 45}
